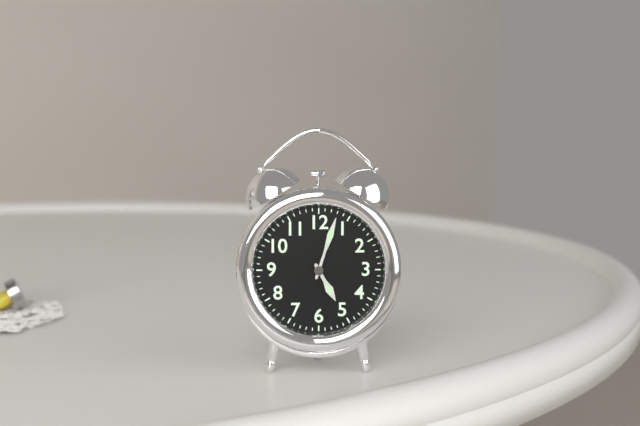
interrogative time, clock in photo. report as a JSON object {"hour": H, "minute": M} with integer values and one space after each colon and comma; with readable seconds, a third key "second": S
{"hour": 5, "minute": 3}
